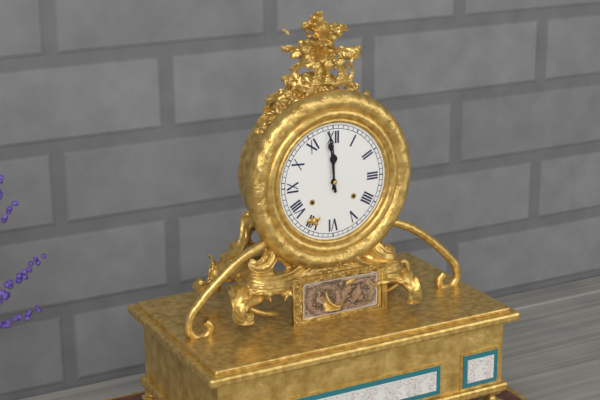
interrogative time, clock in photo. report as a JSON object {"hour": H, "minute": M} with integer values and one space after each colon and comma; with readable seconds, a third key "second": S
{"hour": 11, "minute": 59}
